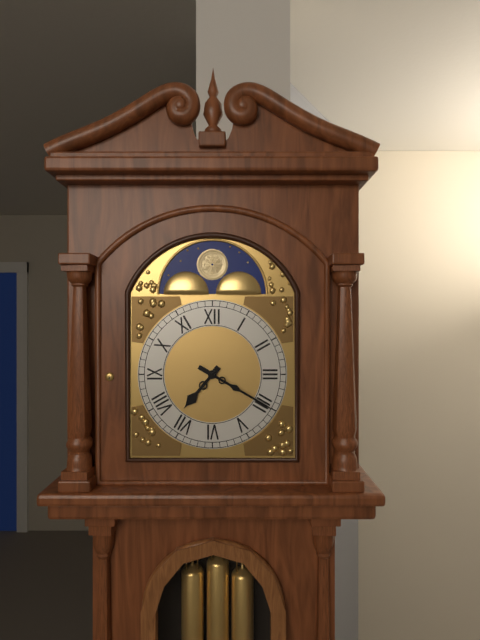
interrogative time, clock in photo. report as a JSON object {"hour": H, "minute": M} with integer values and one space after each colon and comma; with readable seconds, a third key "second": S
{"hour": 7, "minute": 20}
